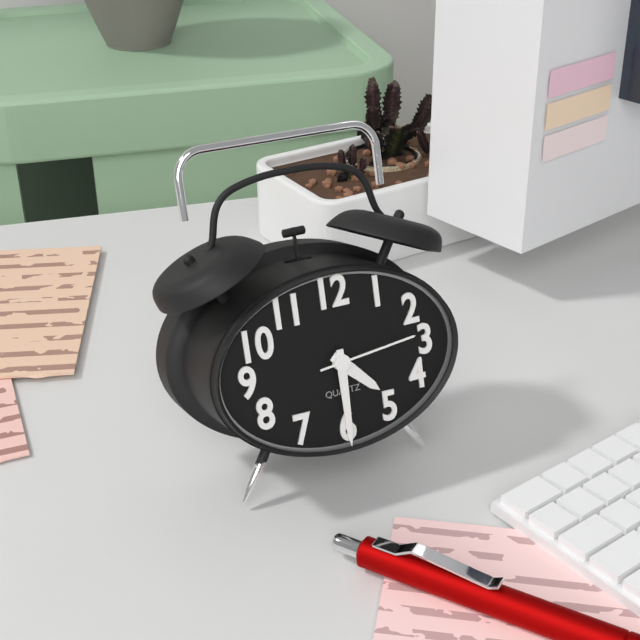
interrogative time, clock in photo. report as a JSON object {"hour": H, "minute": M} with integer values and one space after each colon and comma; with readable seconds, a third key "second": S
{"hour": 4, "minute": 30, "second": 14}
